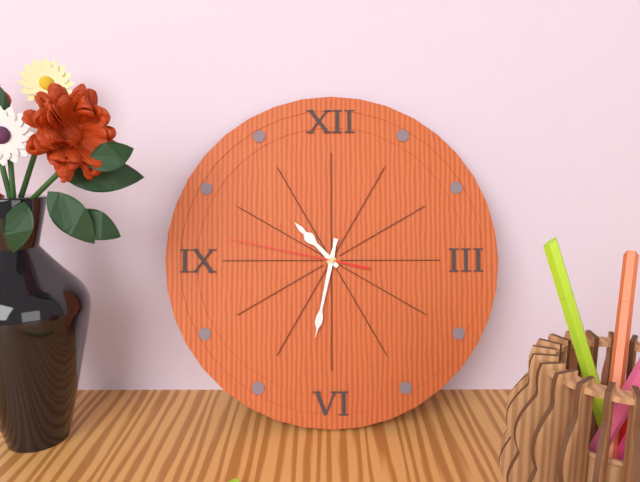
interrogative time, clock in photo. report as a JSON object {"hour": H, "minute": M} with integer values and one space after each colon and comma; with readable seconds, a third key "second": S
{"hour": 10, "minute": 32, "second": 47}
